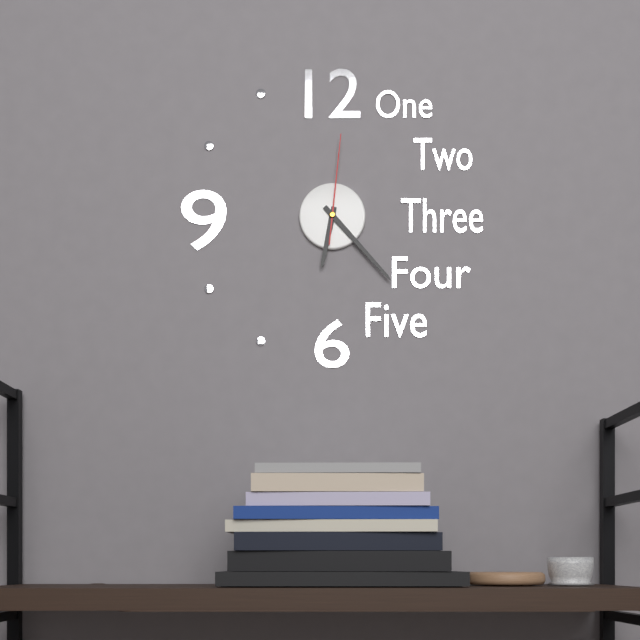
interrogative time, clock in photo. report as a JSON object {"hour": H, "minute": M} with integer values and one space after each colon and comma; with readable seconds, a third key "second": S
{"hour": 6, "minute": 23, "second": 1}
